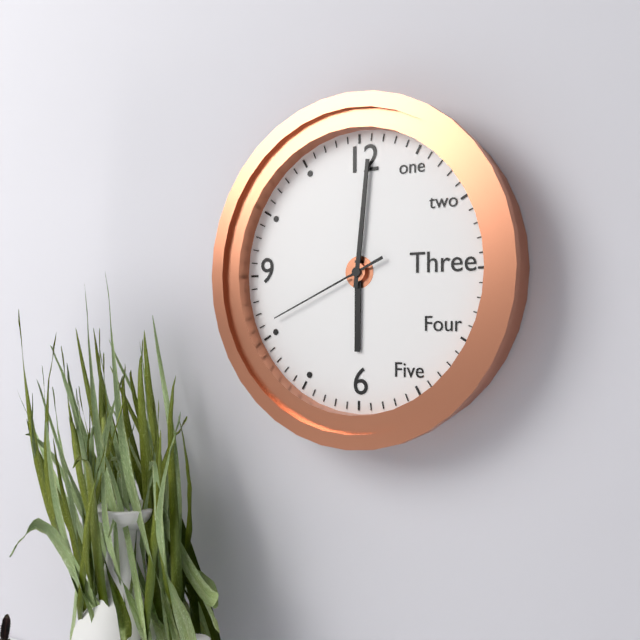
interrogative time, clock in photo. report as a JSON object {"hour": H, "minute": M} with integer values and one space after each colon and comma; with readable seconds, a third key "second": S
{"hour": 6, "minute": 1, "second": 41}
